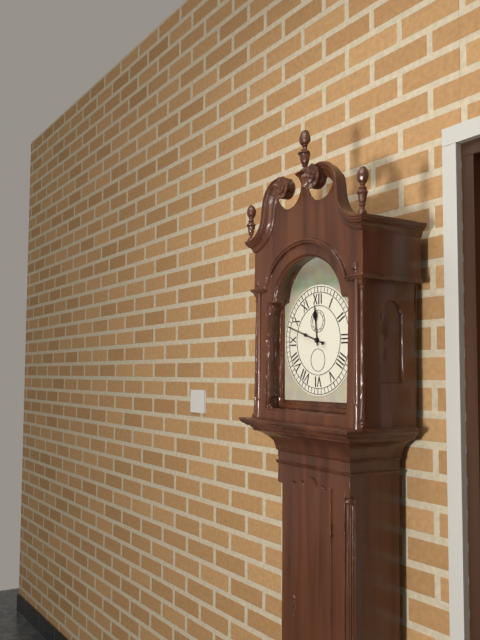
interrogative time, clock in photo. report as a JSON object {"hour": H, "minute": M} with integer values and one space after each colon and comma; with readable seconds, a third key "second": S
{"hour": 11, "minute": 48}
